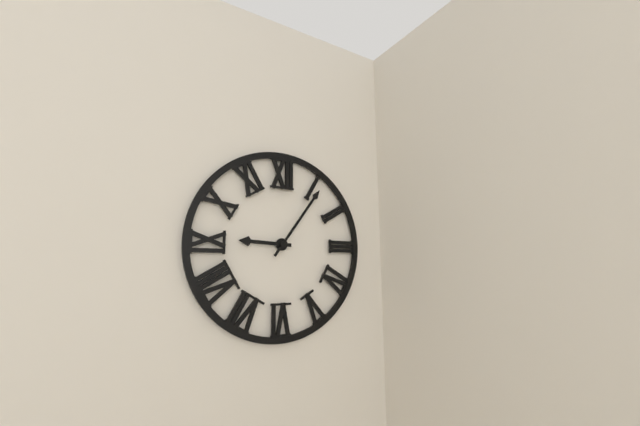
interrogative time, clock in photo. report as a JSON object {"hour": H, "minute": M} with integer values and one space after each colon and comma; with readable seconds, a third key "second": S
{"hour": 9, "minute": 6}
